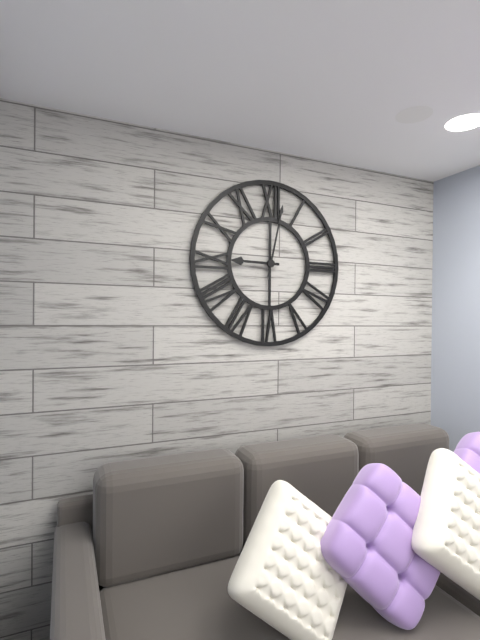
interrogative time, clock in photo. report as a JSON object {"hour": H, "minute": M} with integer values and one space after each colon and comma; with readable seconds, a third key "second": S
{"hour": 9, "minute": 2}
